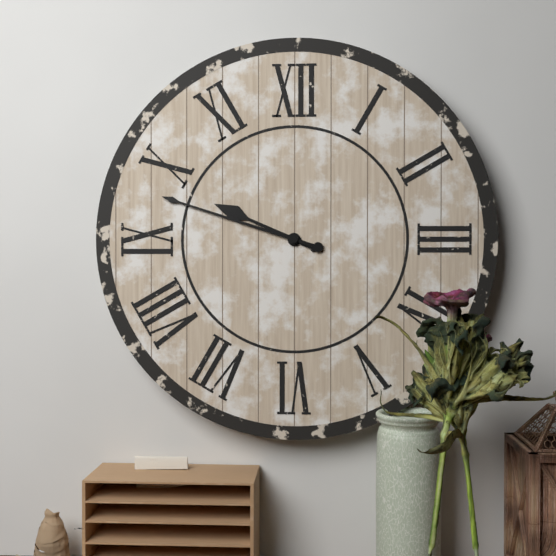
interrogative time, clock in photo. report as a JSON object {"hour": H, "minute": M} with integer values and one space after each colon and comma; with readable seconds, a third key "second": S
{"hour": 9, "minute": 48}
